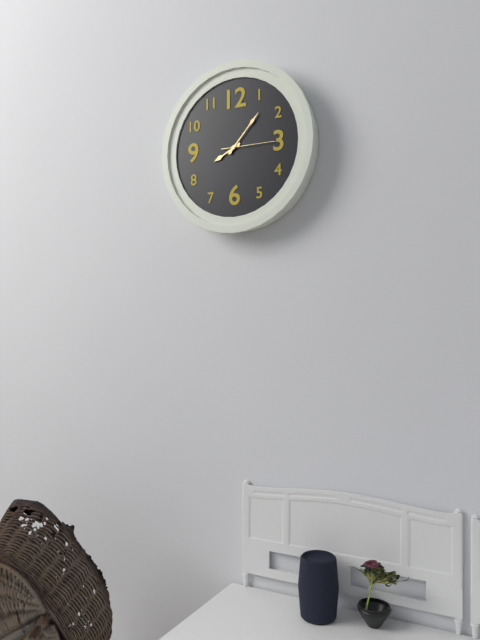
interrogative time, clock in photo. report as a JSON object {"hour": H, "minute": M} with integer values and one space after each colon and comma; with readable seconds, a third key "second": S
{"hour": 8, "minute": 7, "second": 15}
